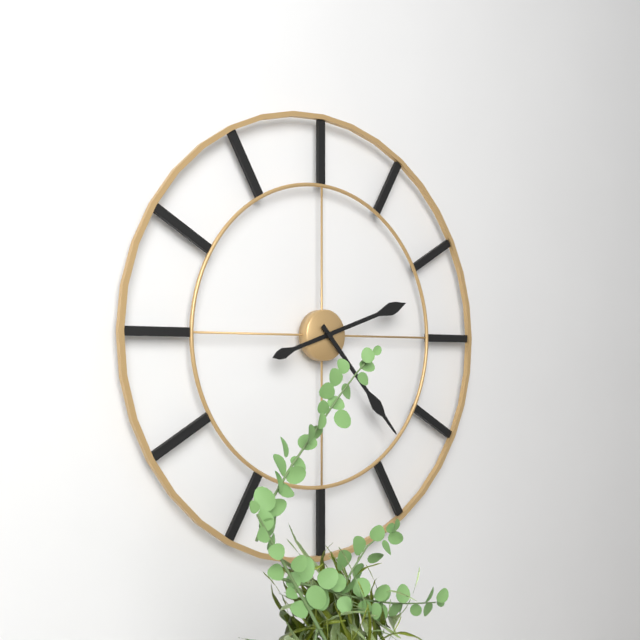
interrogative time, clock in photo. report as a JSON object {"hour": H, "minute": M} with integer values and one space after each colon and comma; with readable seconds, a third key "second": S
{"hour": 2, "minute": 23}
